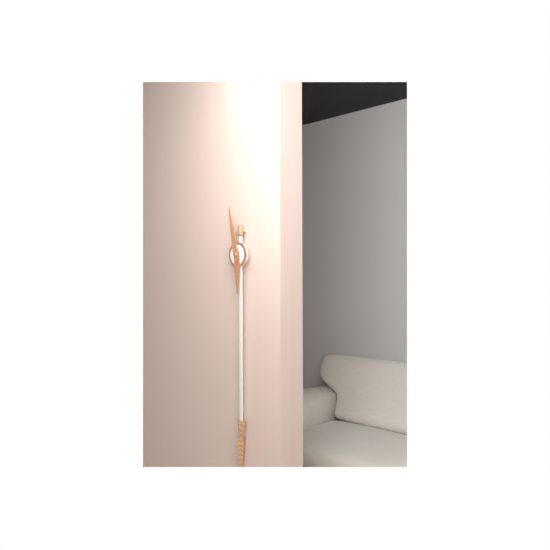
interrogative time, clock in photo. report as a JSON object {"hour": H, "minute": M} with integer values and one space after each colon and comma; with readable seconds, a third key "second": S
{"hour": 5, "minute": 58}
